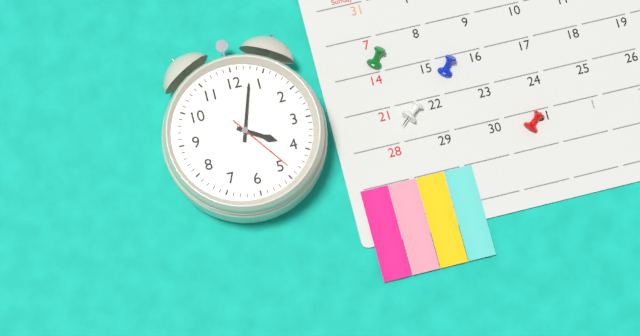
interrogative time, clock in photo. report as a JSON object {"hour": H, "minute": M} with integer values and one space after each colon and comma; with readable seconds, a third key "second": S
{"hour": 4, "minute": 3, "second": 24}
